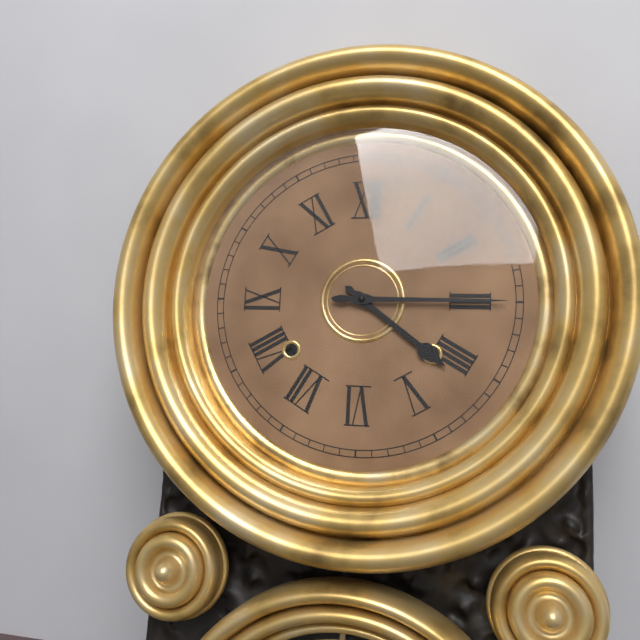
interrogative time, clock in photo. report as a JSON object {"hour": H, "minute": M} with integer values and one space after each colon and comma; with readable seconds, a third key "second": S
{"hour": 4, "minute": 15}
